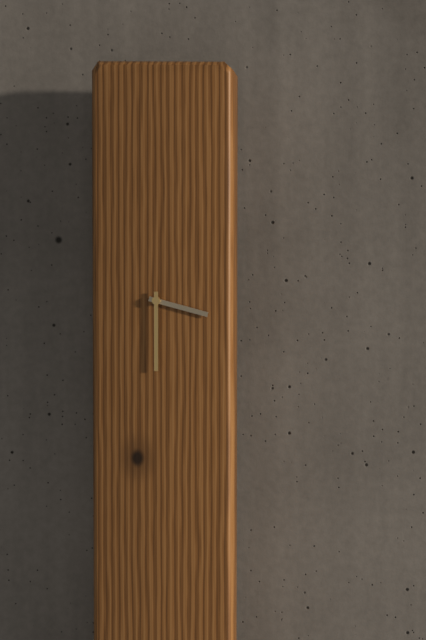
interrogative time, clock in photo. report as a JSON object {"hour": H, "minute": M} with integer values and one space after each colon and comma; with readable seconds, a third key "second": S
{"hour": 3, "minute": 30}
